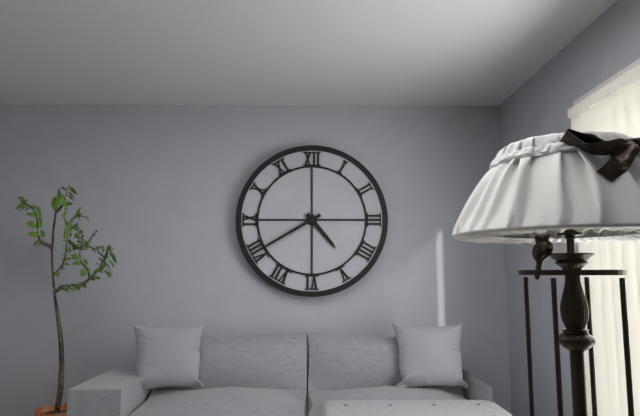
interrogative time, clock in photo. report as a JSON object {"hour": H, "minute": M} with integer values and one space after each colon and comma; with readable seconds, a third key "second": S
{"hour": 4, "minute": 40}
